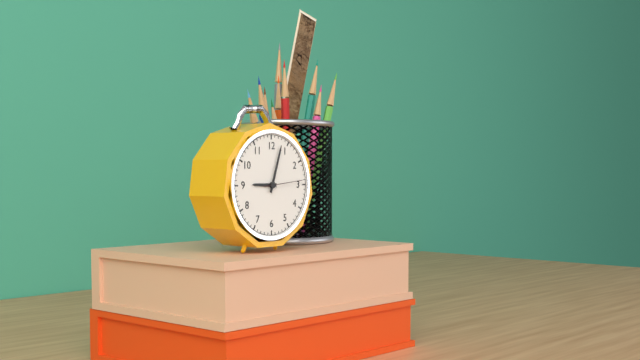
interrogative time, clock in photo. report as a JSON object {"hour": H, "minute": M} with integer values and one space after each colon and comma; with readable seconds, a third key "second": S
{"hour": 9, "minute": 3}
